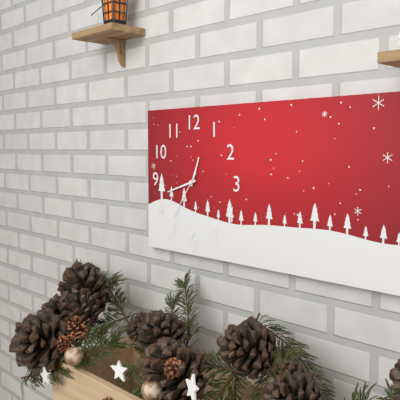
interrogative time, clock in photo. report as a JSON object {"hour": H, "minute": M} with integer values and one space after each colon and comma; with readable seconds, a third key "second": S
{"hour": 12, "minute": 42}
